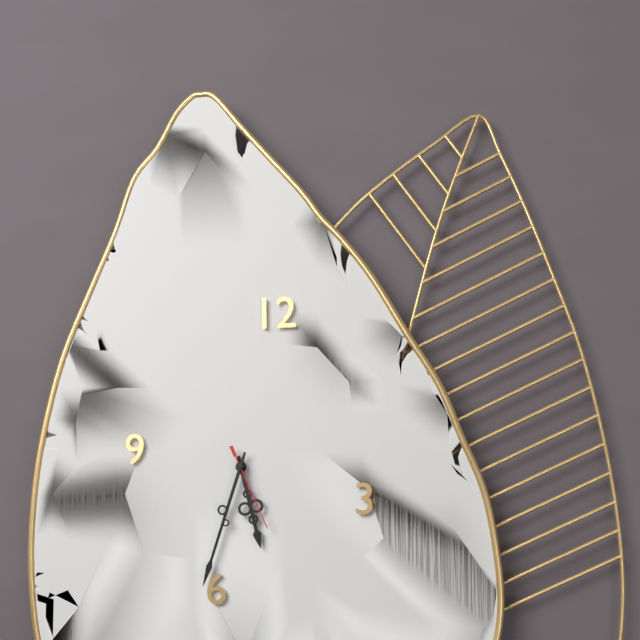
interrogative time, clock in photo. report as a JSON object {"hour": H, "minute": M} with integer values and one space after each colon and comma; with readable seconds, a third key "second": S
{"hour": 5, "minute": 33, "second": 26}
